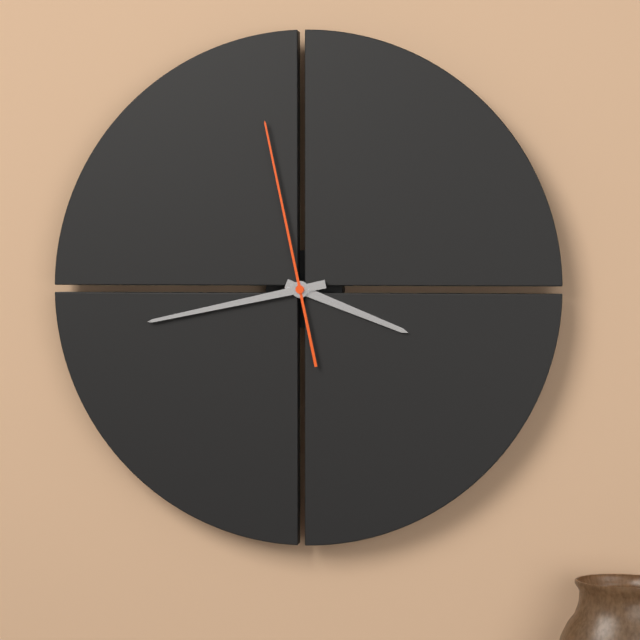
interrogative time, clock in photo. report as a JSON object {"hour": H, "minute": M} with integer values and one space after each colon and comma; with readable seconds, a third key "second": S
{"hour": 3, "minute": 43, "second": 58}
